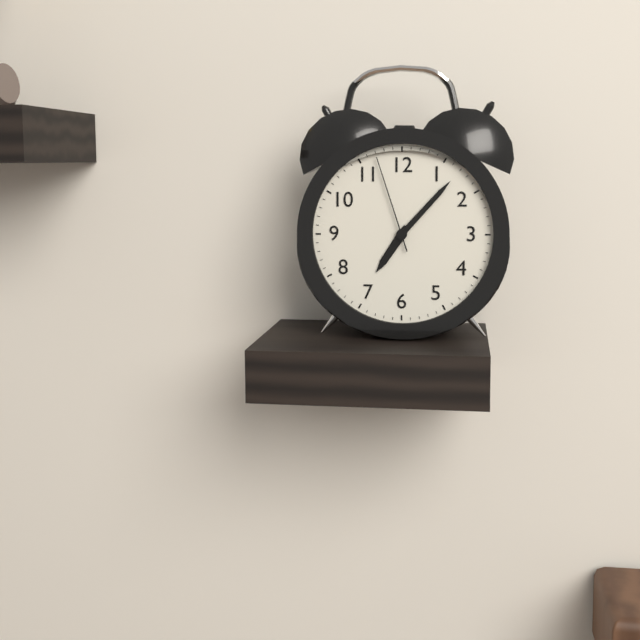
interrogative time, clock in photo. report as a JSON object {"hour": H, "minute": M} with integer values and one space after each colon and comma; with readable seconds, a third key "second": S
{"hour": 7, "minute": 7, "second": 57}
